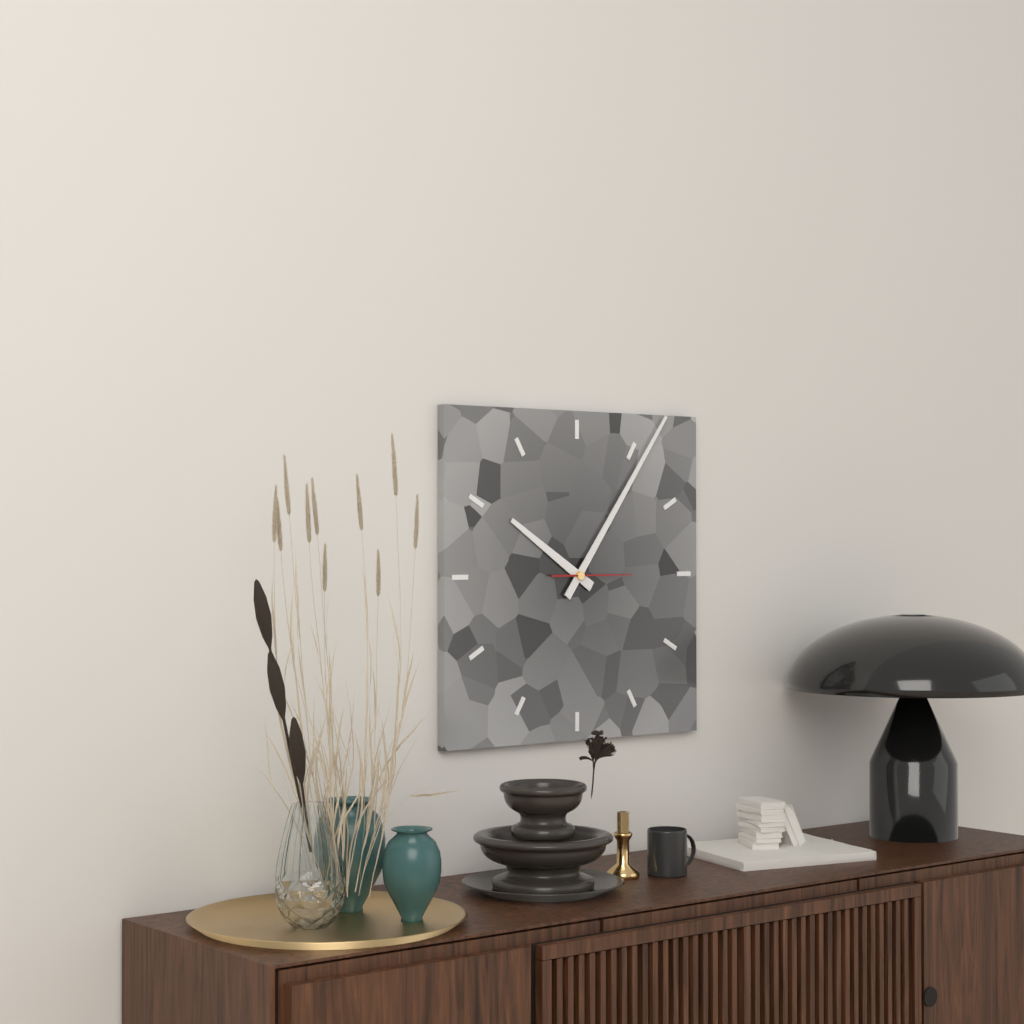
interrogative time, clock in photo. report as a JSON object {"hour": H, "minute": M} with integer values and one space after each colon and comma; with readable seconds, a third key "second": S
{"hour": 10, "minute": 6, "second": 15}
